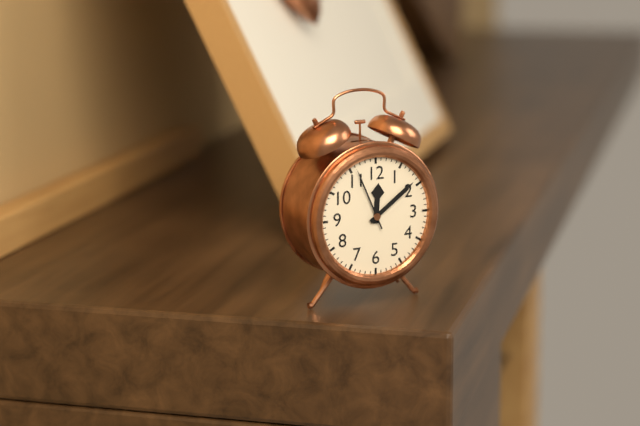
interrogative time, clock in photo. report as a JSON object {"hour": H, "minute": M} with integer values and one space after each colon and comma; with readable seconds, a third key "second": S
{"hour": 12, "minute": 9, "second": 56}
